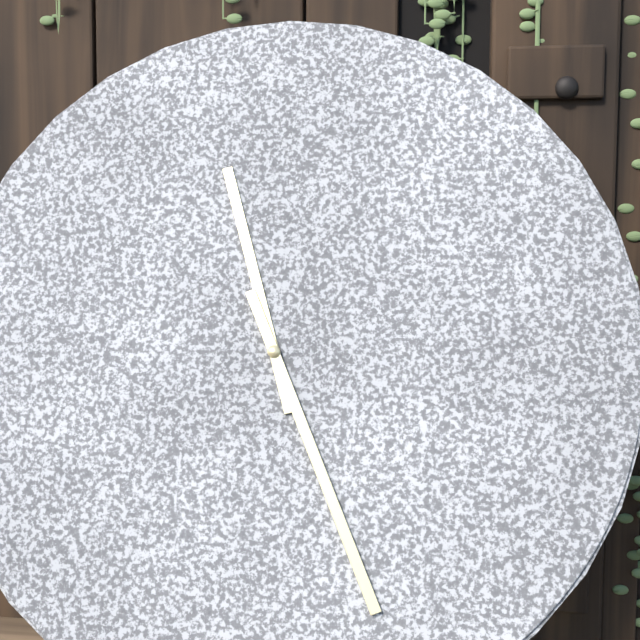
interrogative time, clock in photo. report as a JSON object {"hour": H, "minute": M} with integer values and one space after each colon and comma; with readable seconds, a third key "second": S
{"hour": 11, "minute": 26}
